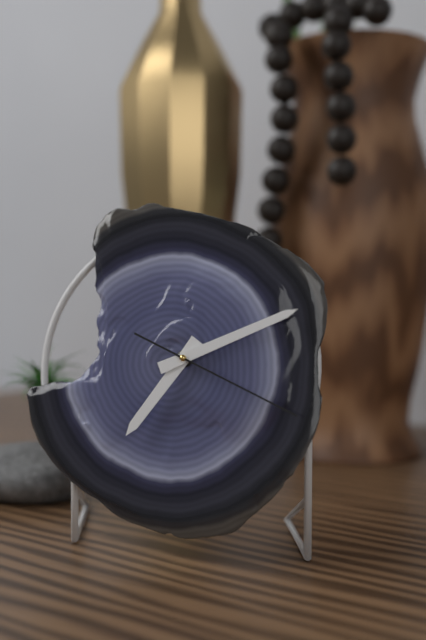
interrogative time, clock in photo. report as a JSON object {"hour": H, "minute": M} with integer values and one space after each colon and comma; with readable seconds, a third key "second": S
{"hour": 7, "minute": 11, "second": 19}
